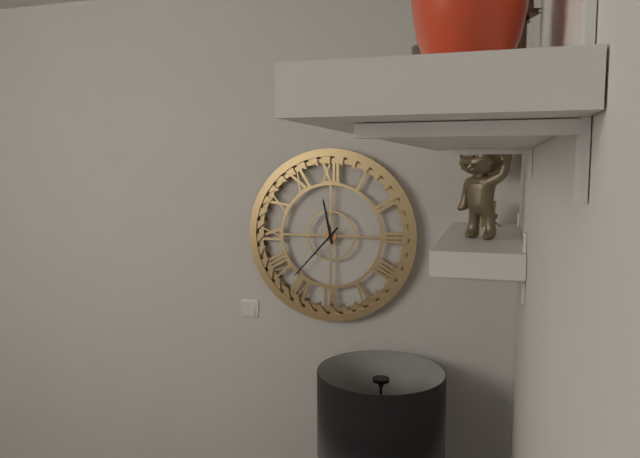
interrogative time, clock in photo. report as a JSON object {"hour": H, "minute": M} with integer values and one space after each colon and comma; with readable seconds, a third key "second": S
{"hour": 11, "minute": 37}
